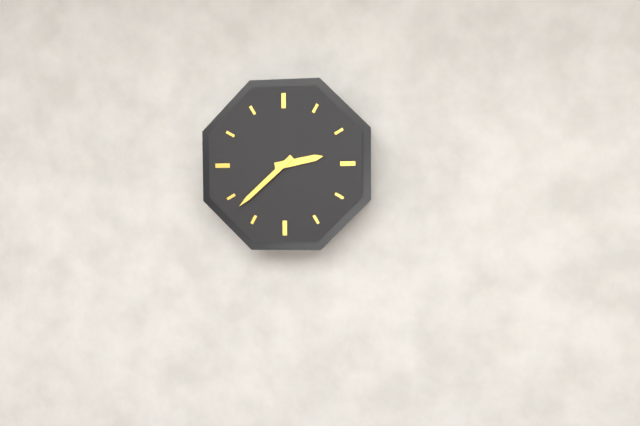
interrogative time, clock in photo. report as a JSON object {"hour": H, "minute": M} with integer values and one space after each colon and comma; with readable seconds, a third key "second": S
{"hour": 2, "minute": 38}
